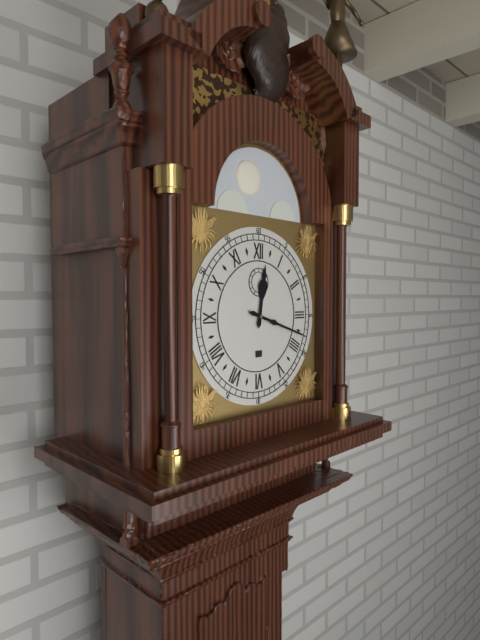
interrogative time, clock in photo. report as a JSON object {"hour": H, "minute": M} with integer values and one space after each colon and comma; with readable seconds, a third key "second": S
{"hour": 12, "minute": 18}
